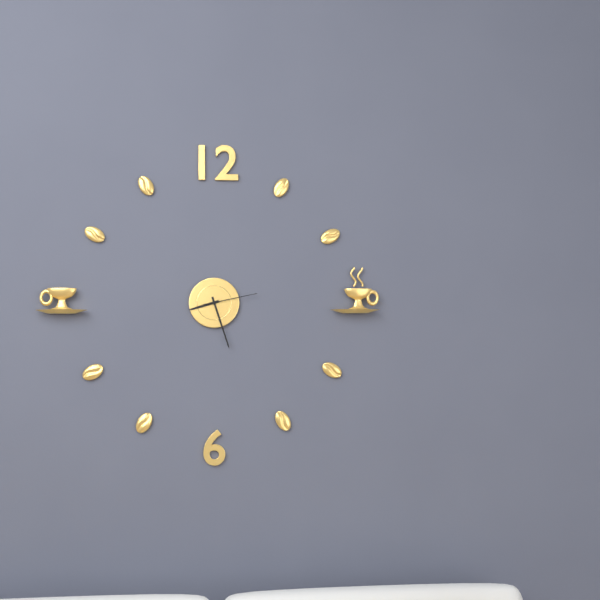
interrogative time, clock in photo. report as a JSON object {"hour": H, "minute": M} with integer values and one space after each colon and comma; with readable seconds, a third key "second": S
{"hour": 8, "minute": 27, "second": 13}
